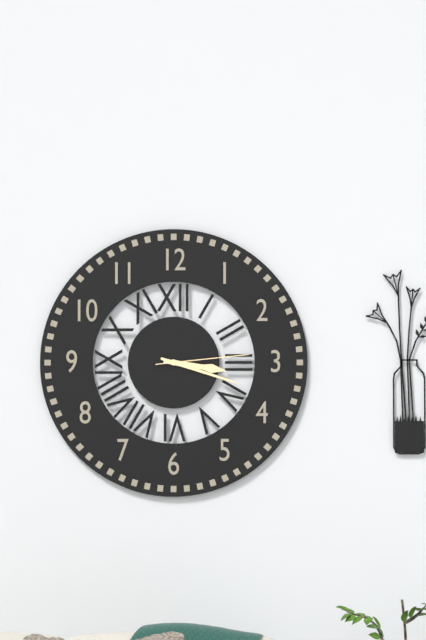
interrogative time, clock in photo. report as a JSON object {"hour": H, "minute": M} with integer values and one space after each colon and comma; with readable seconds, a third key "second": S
{"hour": 3, "minute": 18, "second": 14}
